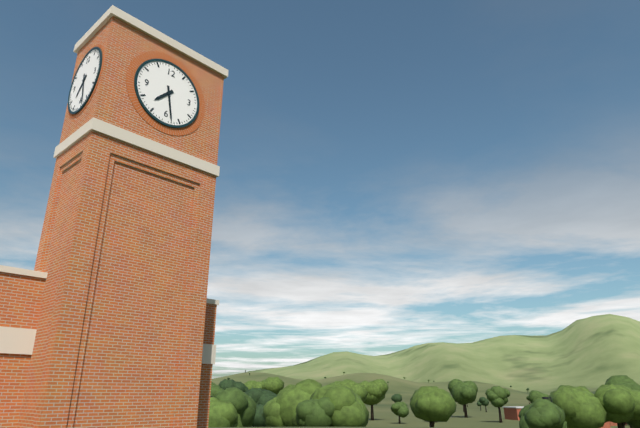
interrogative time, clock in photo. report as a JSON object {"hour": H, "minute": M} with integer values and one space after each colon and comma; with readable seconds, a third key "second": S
{"hour": 7, "minute": 28}
